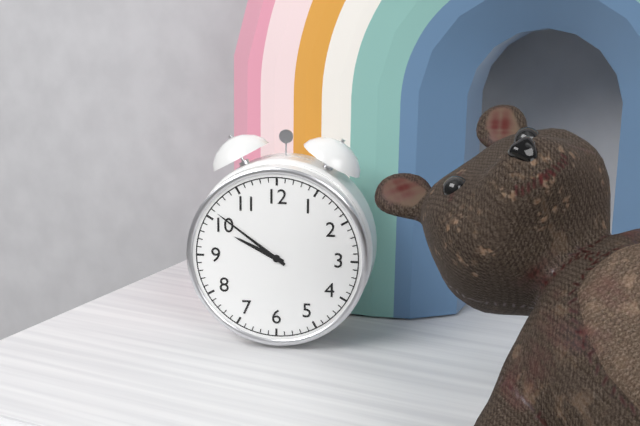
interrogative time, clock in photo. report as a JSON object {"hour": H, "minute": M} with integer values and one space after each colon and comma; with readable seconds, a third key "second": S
{"hour": 9, "minute": 51}
